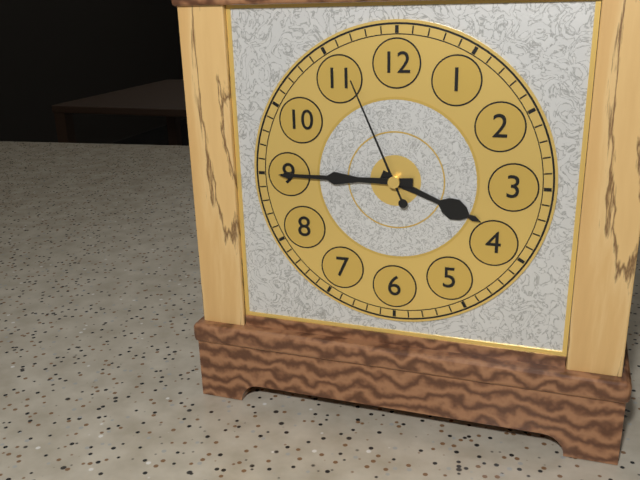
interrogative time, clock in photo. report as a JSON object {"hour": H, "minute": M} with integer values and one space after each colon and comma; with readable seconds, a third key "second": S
{"hour": 3, "minute": 45, "second": 56}
